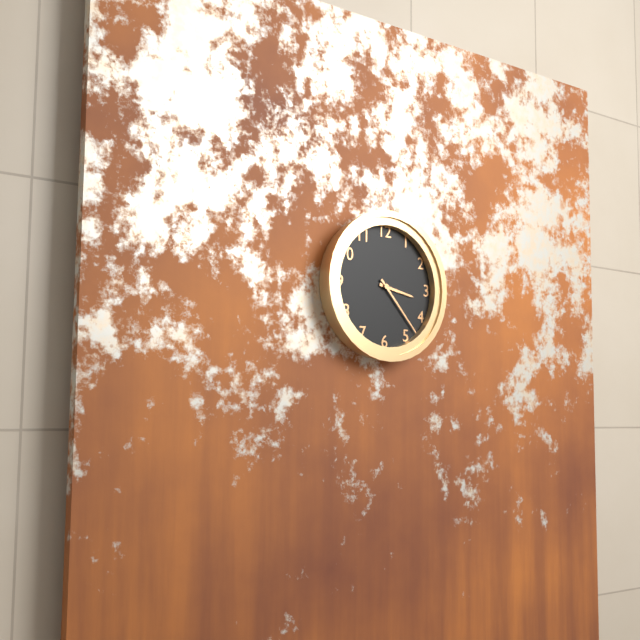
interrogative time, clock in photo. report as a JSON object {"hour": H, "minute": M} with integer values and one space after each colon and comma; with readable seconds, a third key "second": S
{"hour": 3, "minute": 23}
